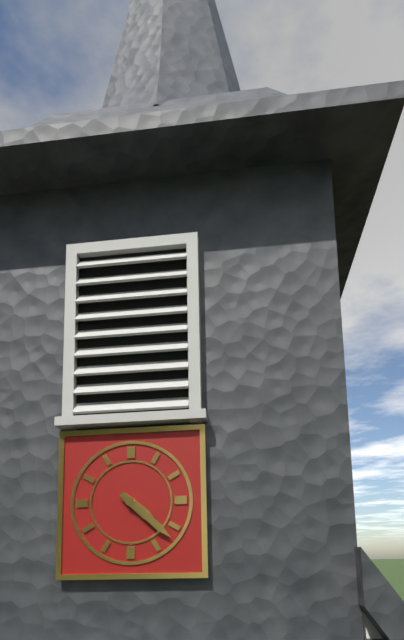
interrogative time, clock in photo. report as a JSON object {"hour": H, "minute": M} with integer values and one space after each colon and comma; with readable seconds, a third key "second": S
{"hour": 4, "minute": 22}
